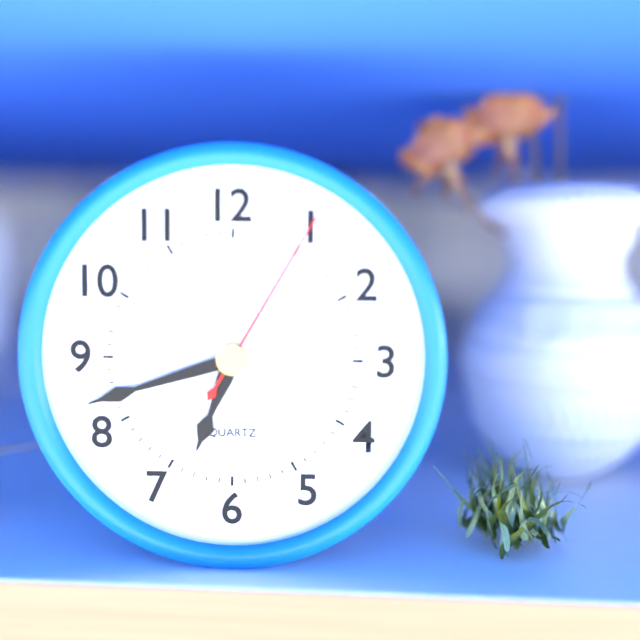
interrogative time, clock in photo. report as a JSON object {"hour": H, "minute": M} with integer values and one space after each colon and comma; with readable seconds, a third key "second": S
{"hour": 6, "minute": 42, "second": 5}
